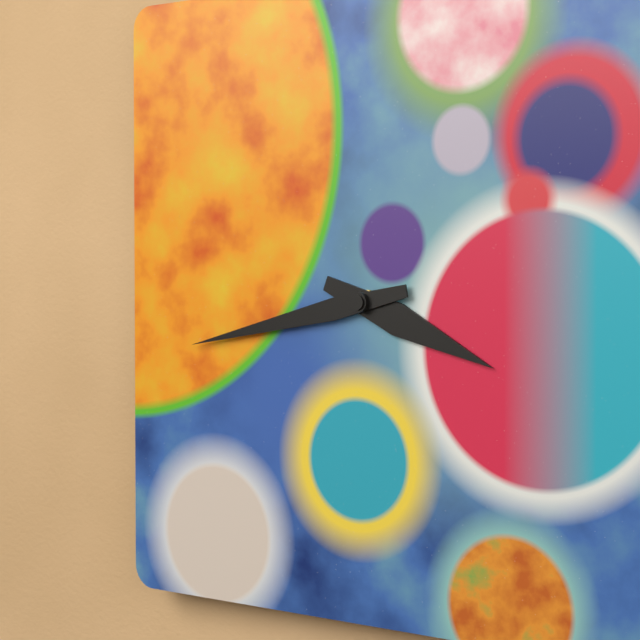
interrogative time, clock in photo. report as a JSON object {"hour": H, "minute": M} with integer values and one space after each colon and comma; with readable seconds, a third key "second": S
{"hour": 3, "minute": 43}
